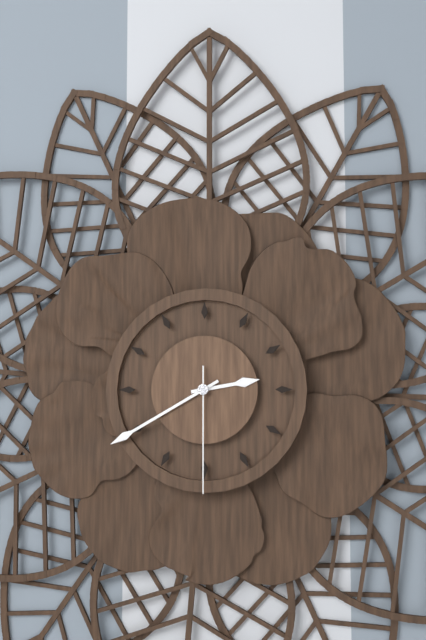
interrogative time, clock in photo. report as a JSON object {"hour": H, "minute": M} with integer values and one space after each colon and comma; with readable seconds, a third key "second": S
{"hour": 2, "minute": 40, "second": 30}
